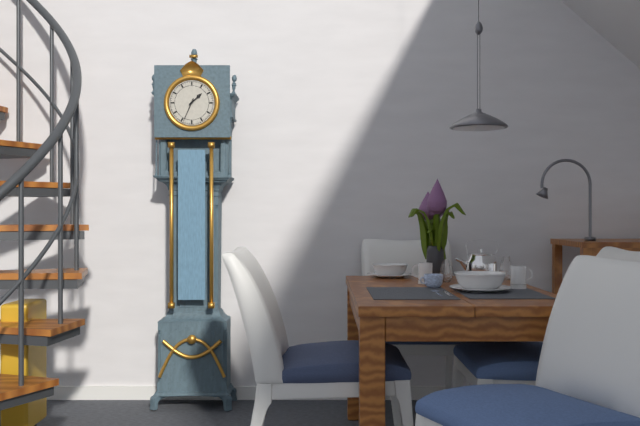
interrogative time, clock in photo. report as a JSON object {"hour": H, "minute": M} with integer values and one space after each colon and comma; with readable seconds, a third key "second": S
{"hour": 1, "minute": 34}
